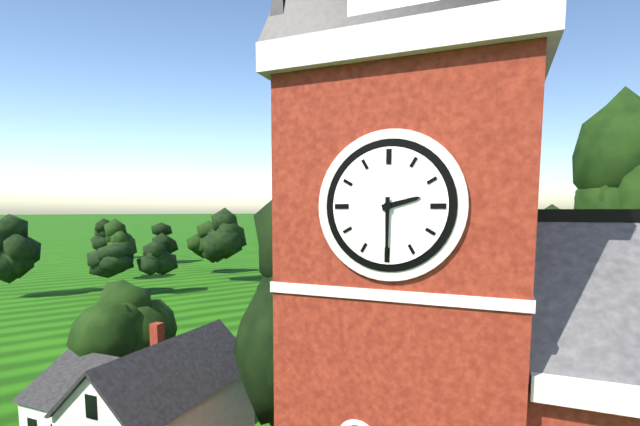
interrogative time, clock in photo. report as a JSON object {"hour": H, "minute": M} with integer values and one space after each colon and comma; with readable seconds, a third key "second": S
{"hour": 2, "minute": 30}
